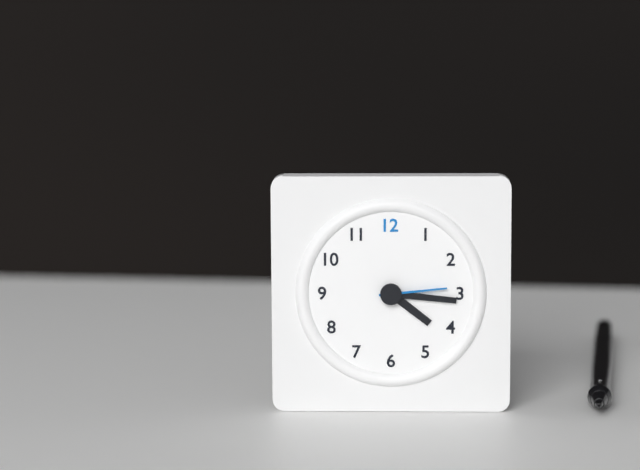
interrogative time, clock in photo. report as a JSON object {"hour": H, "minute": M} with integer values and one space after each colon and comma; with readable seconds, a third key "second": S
{"hour": 4, "minute": 16, "second": 14}
